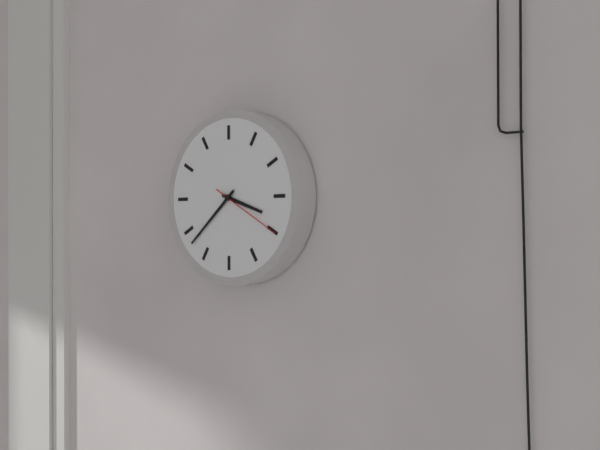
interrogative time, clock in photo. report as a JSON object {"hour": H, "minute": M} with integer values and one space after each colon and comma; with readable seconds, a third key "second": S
{"hour": 3, "minute": 38, "second": 20}
